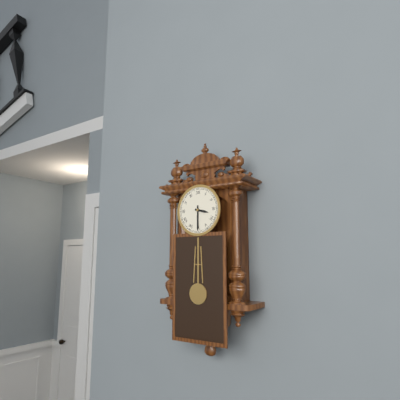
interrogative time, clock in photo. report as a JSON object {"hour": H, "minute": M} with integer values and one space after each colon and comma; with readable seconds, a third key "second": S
{"hour": 3, "minute": 30}
